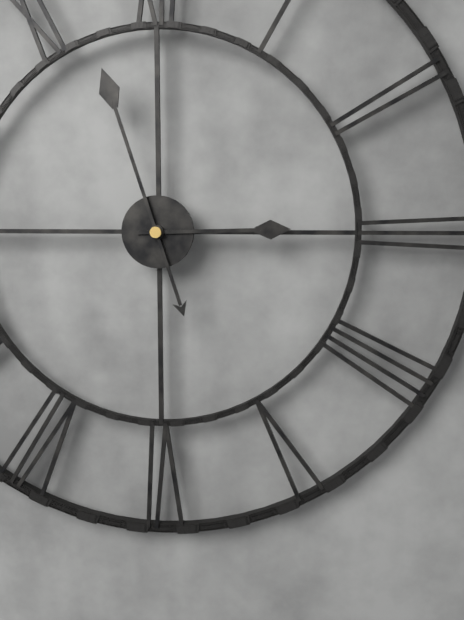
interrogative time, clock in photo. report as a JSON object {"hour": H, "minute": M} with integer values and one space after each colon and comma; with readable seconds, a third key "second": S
{"hour": 2, "minute": 57}
